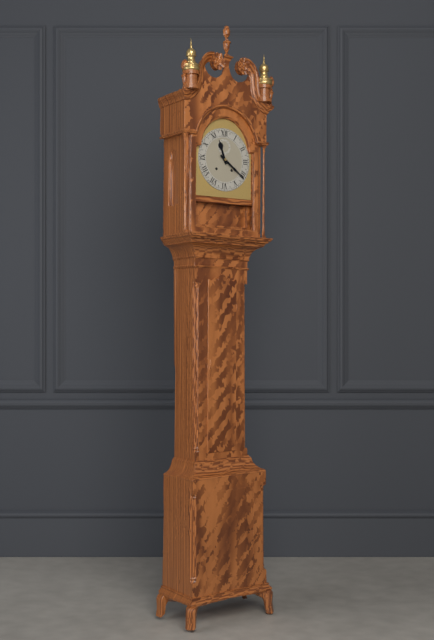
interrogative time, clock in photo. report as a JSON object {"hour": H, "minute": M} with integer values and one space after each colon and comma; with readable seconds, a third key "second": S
{"hour": 11, "minute": 21}
